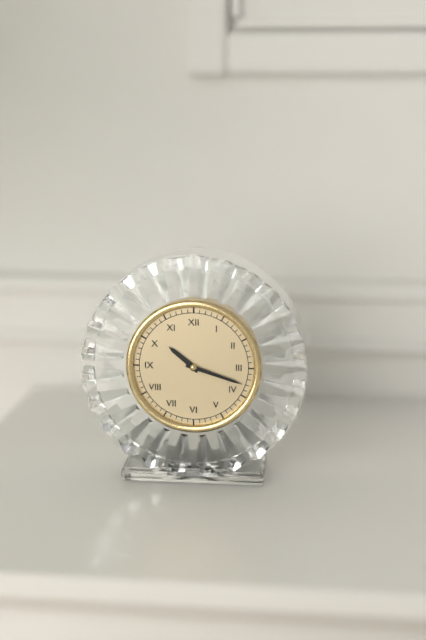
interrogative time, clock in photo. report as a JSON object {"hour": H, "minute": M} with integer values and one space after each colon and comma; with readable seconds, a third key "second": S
{"hour": 10, "minute": 18}
